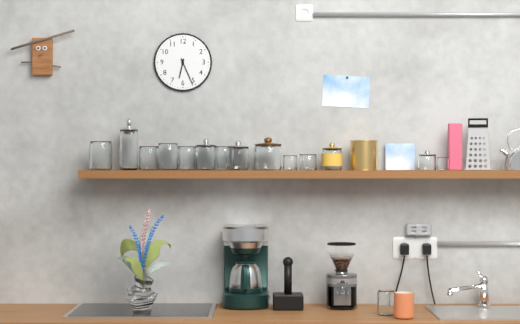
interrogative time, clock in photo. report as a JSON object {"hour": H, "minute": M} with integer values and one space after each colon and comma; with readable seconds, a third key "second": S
{"hour": 6, "minute": 26}
